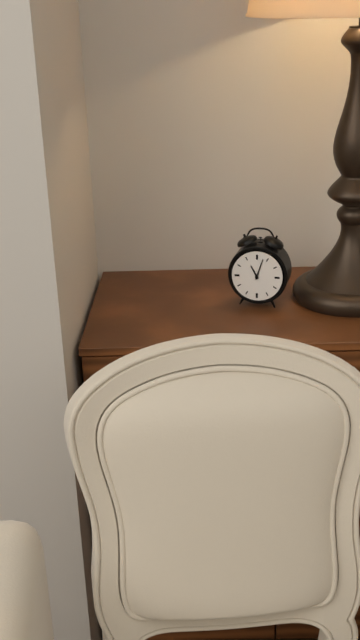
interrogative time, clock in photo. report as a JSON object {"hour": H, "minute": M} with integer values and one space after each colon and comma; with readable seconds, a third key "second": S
{"hour": 11, "minute": 3}
